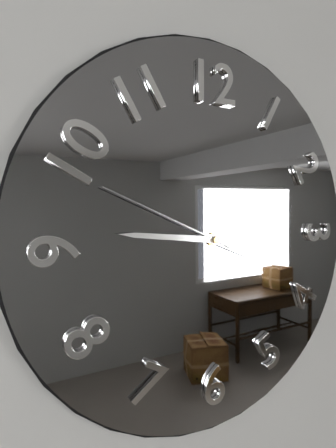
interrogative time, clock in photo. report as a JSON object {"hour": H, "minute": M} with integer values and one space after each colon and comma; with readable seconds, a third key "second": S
{"hour": 3, "minute": 46, "second": 49}
